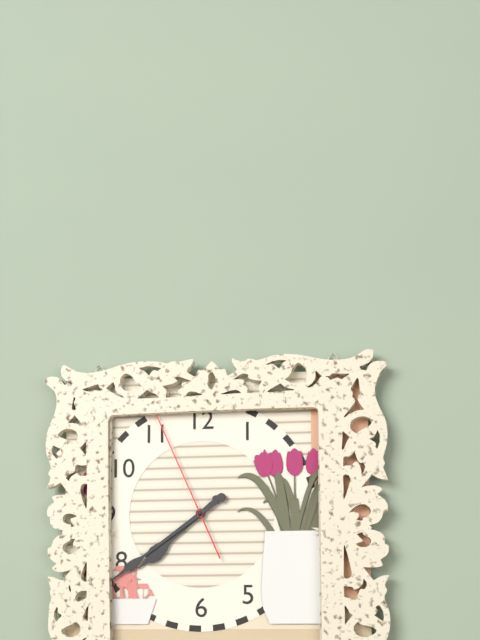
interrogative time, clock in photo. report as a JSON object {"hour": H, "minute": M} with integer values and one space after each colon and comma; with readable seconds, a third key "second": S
{"hour": 7, "minute": 39, "second": 56}
